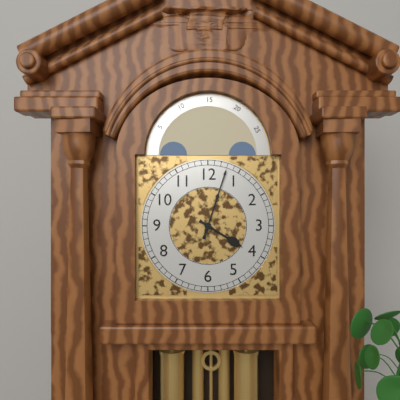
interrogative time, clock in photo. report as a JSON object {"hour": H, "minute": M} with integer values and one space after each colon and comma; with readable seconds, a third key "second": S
{"hour": 4, "minute": 3}
